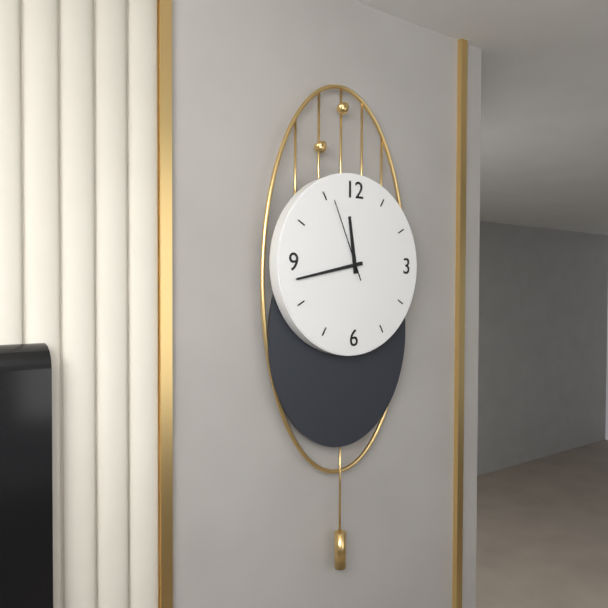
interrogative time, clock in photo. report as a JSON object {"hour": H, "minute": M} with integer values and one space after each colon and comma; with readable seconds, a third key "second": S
{"hour": 11, "minute": 43, "second": 56}
